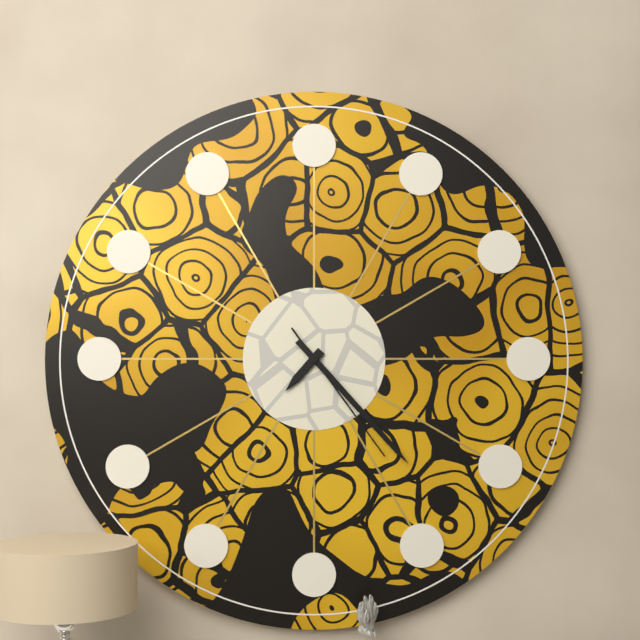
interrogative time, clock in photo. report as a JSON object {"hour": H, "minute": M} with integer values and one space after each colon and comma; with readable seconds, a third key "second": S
{"hour": 7, "minute": 23, "second": 24}
